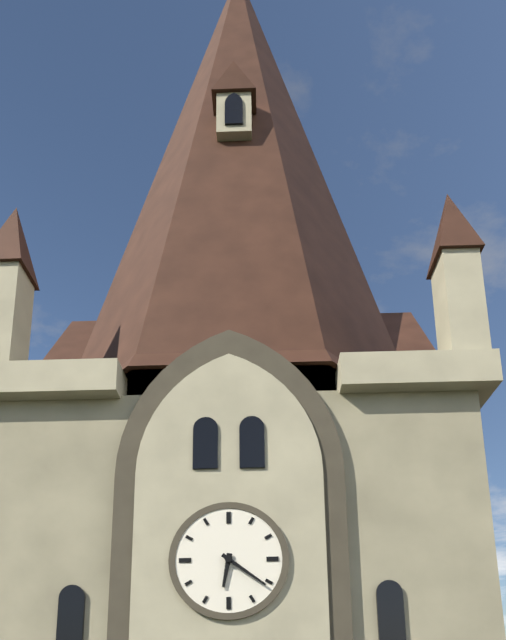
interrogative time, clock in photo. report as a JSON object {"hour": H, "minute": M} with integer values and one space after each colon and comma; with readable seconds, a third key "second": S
{"hour": 6, "minute": 21}
